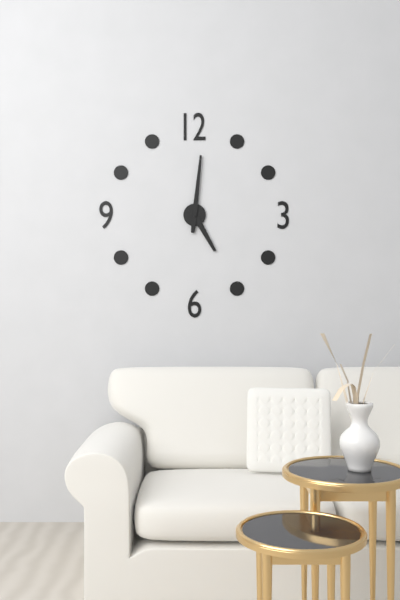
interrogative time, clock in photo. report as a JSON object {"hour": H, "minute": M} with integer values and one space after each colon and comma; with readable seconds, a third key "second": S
{"hour": 5, "minute": 1}
